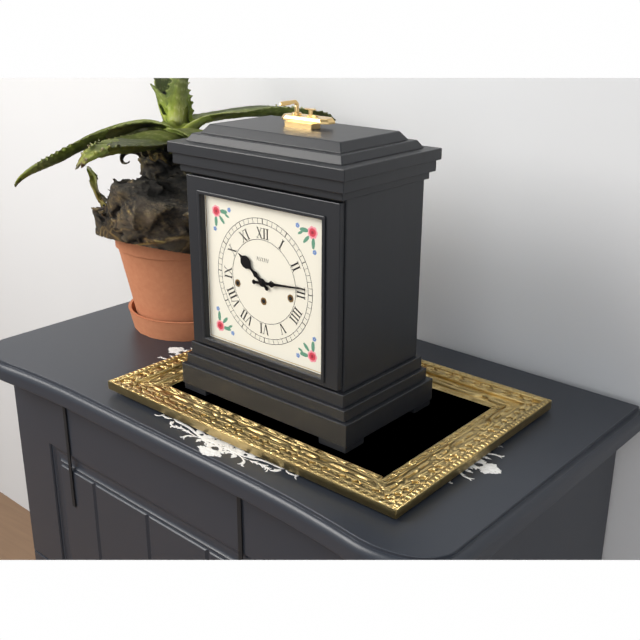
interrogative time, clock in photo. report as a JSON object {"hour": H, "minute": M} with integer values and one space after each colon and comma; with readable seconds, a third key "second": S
{"hour": 10, "minute": 14}
